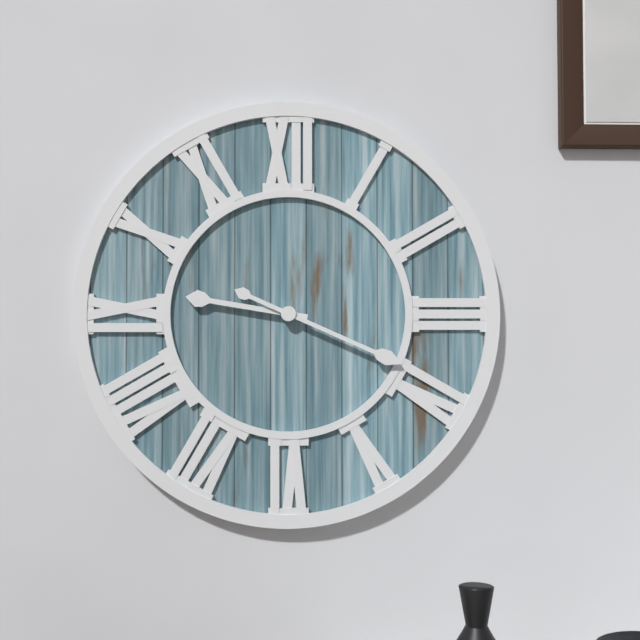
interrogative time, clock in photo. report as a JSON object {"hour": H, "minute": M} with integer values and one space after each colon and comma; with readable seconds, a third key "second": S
{"hour": 9, "minute": 19}
